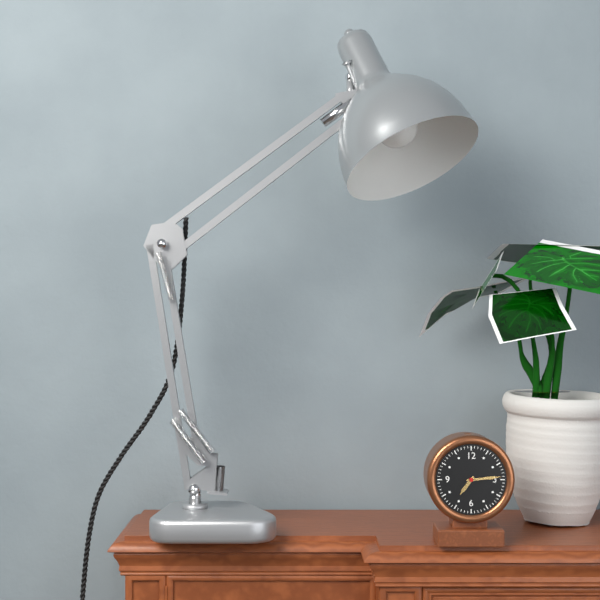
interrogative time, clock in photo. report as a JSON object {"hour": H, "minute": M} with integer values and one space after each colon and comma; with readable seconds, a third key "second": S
{"hour": 7, "minute": 14}
